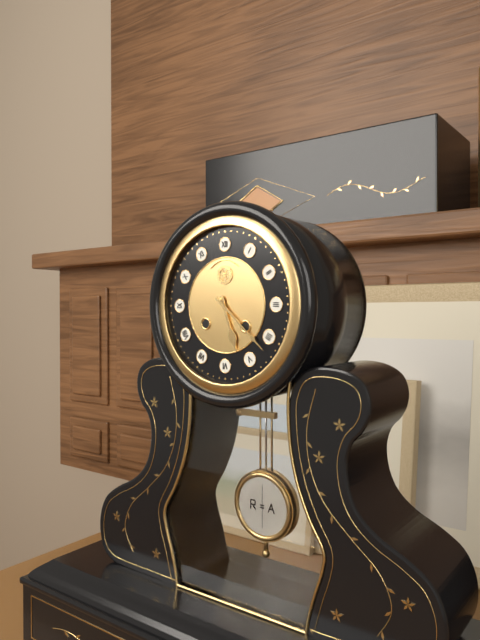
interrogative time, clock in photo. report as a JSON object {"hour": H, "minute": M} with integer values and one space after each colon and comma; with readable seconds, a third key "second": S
{"hour": 5, "minute": 22}
